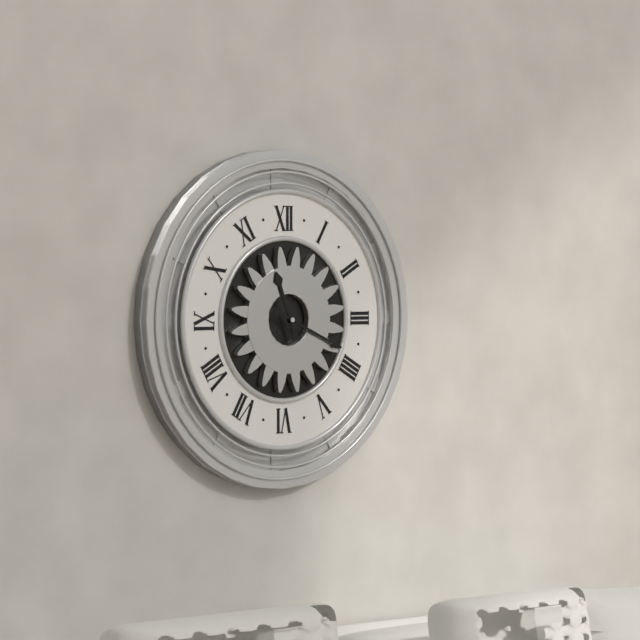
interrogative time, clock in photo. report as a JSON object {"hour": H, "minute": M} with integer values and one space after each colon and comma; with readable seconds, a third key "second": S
{"hour": 11, "minute": 19}
